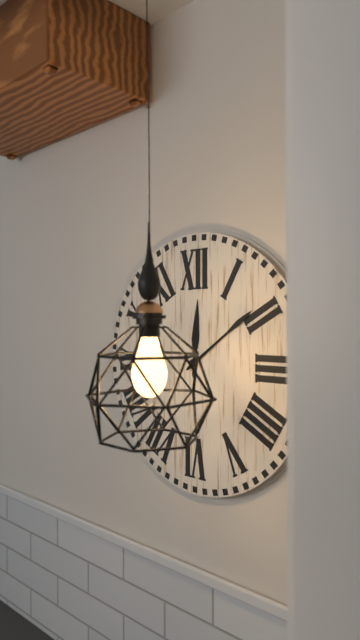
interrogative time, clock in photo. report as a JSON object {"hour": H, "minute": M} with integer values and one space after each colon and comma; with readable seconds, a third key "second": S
{"hour": 12, "minute": 9}
